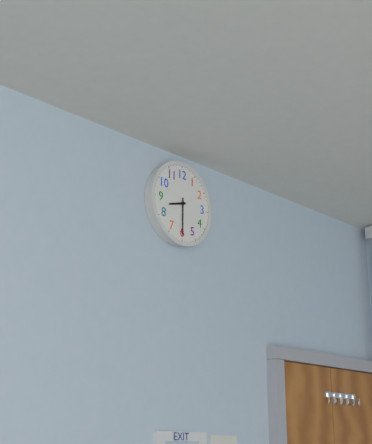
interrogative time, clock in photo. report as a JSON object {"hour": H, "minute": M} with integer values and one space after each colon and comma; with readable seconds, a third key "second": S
{"hour": 8, "minute": 30}
